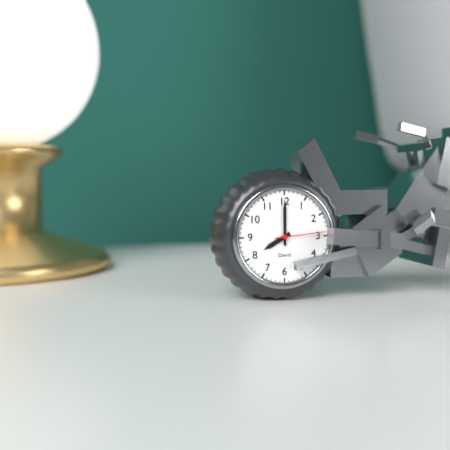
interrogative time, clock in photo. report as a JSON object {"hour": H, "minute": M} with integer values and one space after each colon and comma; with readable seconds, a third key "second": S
{"hour": 8, "minute": 0, "second": 14}
